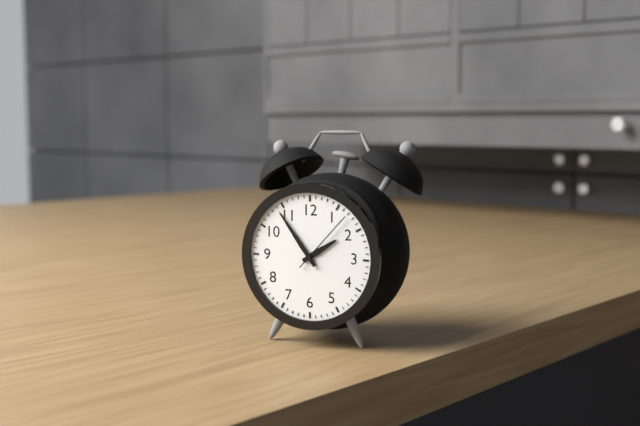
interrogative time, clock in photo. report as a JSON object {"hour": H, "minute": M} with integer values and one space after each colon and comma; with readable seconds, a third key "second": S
{"hour": 1, "minute": 54, "second": 7}
